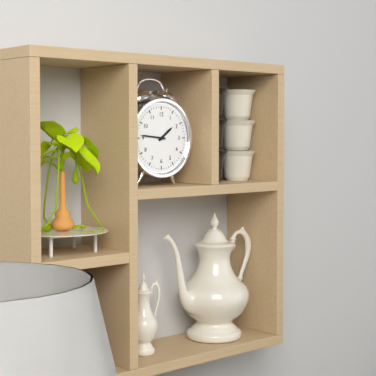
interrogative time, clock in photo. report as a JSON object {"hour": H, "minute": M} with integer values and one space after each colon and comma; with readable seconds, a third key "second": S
{"hour": 1, "minute": 46}
